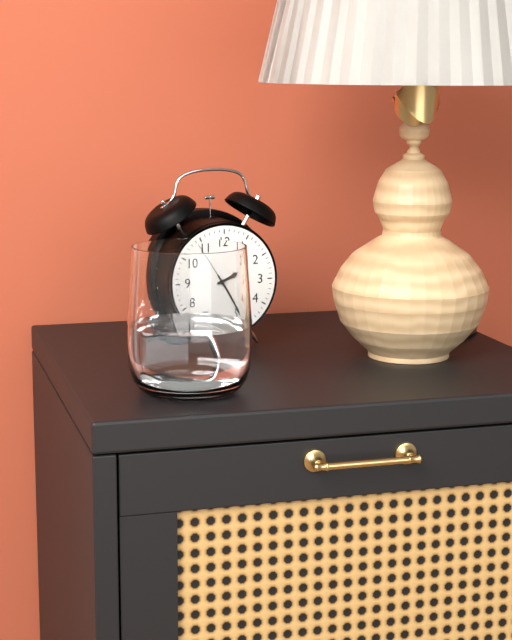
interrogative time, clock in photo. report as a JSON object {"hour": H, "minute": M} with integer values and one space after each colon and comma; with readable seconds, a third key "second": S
{"hour": 2, "minute": 24, "second": 54}
